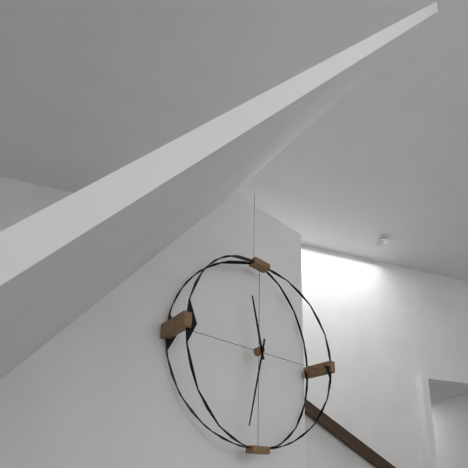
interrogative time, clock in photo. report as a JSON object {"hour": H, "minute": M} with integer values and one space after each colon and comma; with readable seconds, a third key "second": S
{"hour": 11, "minute": 32}
